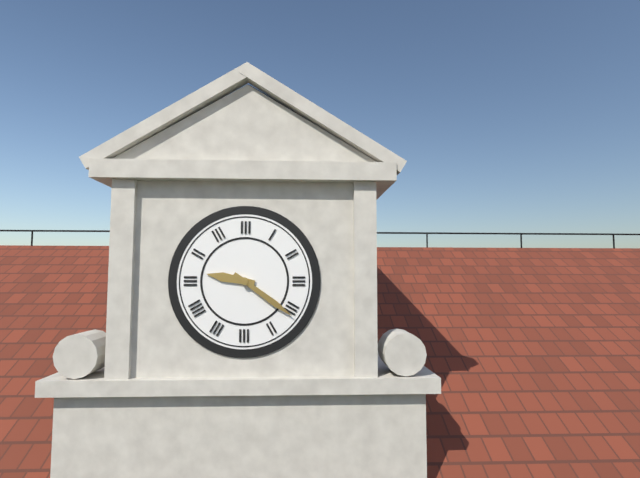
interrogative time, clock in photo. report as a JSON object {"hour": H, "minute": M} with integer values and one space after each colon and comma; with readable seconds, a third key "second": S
{"hour": 9, "minute": 21}
